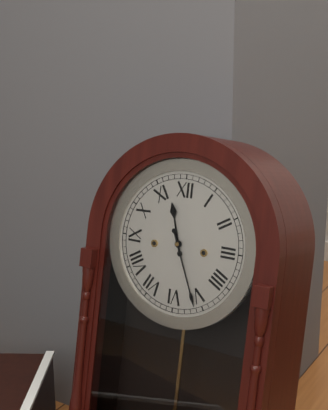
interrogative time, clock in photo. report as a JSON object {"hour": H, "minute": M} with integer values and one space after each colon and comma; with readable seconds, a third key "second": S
{"hour": 11, "minute": 26}
